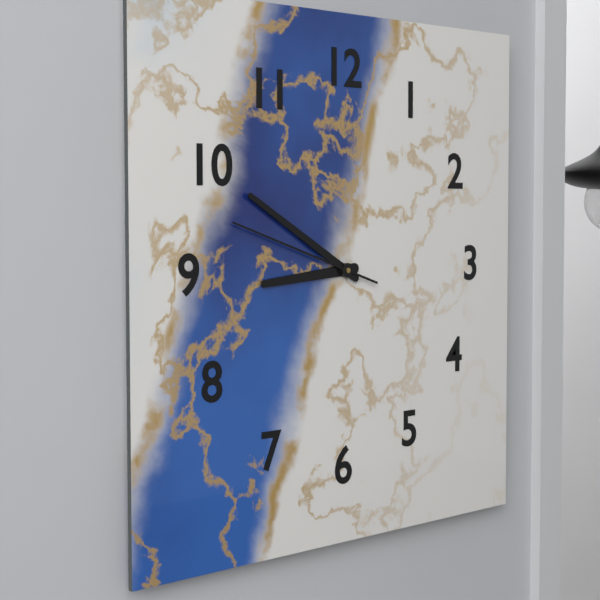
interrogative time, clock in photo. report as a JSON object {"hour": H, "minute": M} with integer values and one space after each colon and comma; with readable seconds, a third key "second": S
{"hour": 8, "minute": 50, "second": 48}
